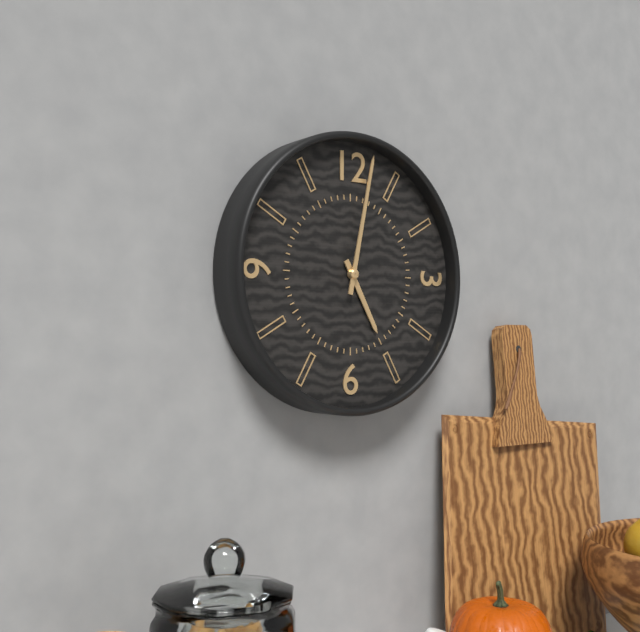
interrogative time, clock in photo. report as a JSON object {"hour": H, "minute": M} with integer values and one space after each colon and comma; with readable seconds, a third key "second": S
{"hour": 5, "minute": 2}
